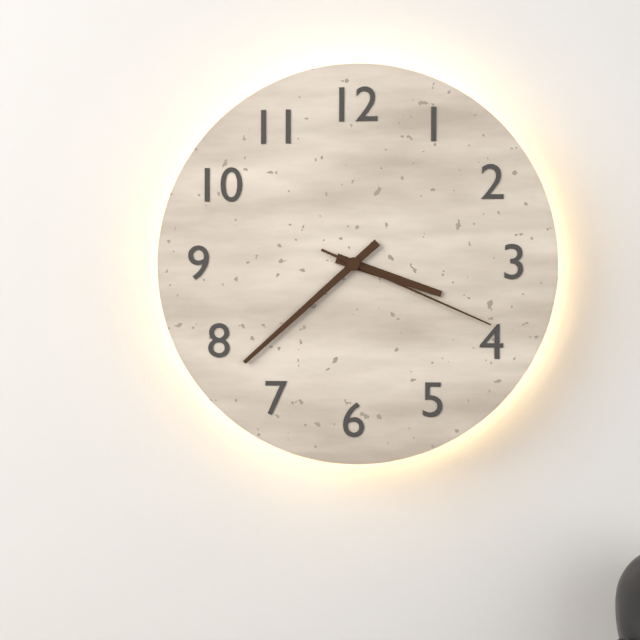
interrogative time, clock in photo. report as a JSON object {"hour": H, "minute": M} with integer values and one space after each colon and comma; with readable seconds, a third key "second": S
{"hour": 3, "minute": 38, "second": 19}
